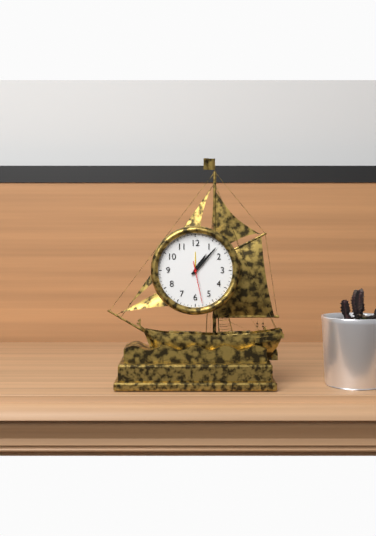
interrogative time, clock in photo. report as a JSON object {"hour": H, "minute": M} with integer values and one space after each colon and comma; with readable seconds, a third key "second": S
{"hour": 1, "minute": 7}
